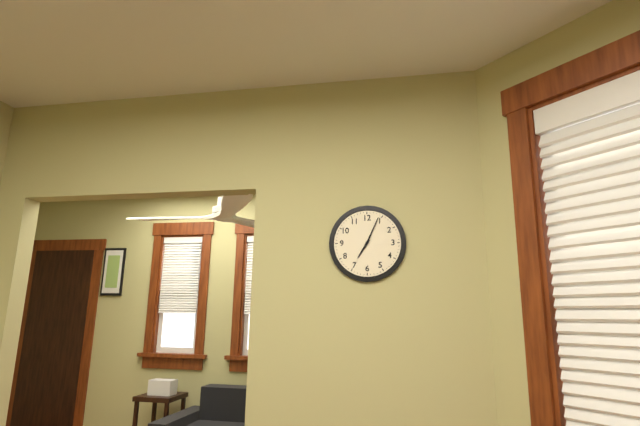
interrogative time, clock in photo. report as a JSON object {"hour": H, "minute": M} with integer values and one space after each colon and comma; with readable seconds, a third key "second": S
{"hour": 7, "minute": 4}
